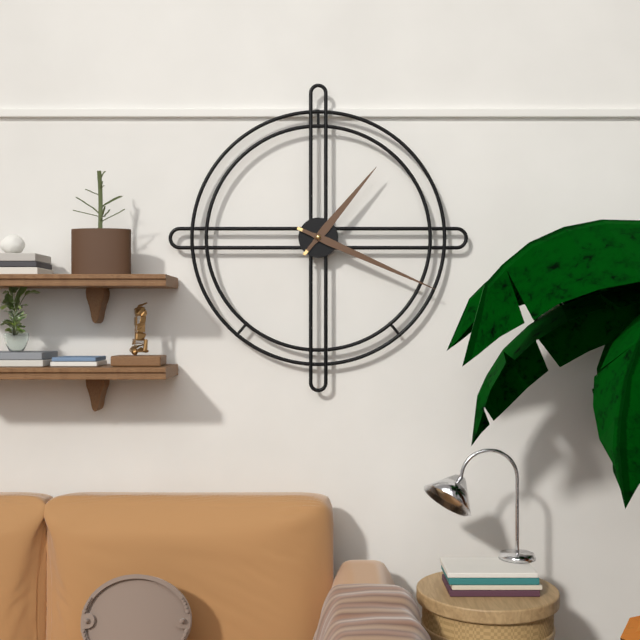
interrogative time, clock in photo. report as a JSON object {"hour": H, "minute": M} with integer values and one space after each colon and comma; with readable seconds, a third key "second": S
{"hour": 1, "minute": 19}
